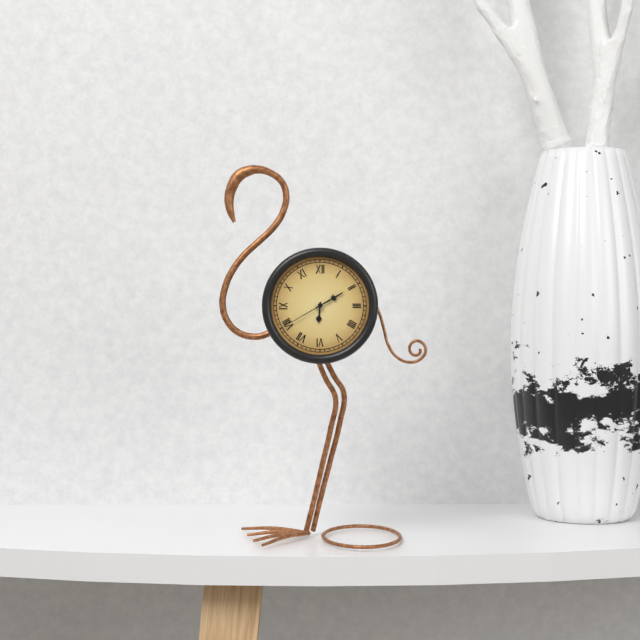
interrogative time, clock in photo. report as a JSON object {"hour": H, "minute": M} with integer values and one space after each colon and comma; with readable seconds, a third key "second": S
{"hour": 6, "minute": 10, "second": 40}
